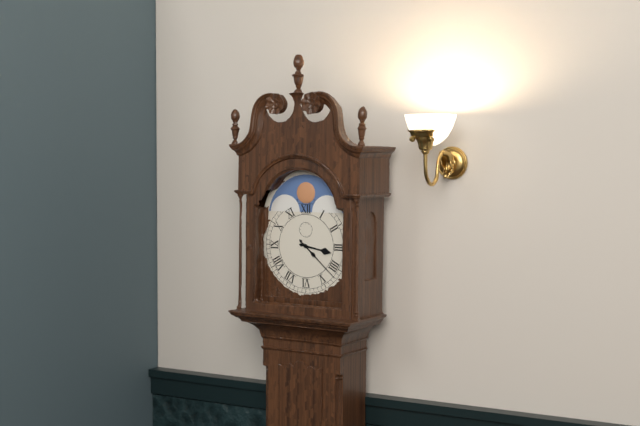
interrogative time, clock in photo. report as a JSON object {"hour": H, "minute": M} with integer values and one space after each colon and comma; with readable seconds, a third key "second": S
{"hour": 3, "minute": 22}
